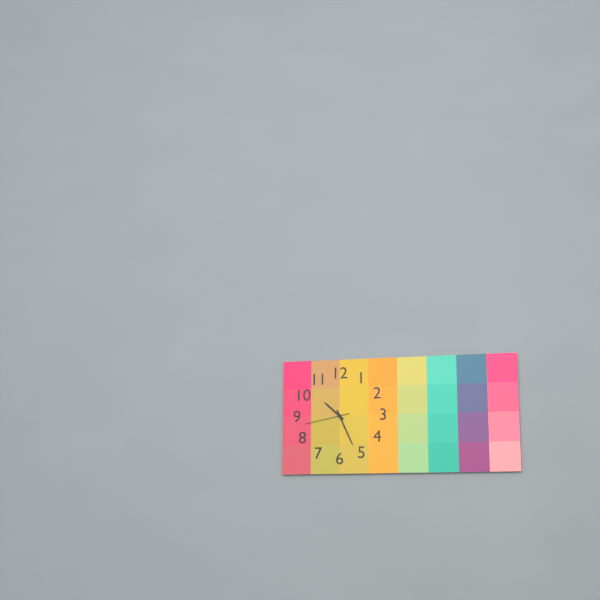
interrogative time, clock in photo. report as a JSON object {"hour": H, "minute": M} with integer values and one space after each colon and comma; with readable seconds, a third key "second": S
{"hour": 10, "minute": 26}
